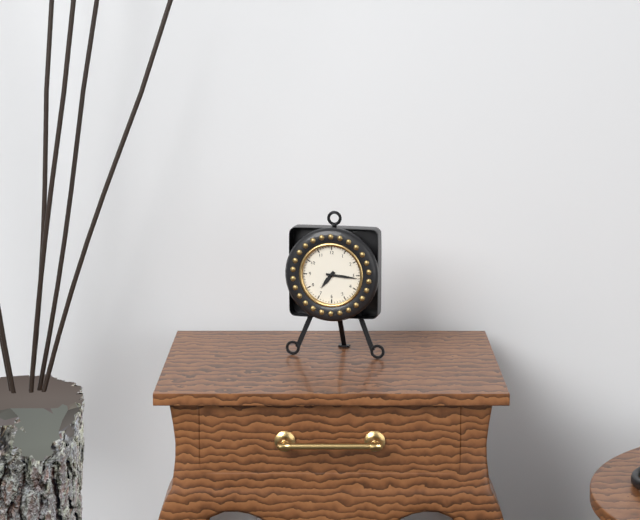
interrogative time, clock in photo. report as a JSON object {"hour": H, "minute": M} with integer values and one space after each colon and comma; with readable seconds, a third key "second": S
{"hour": 7, "minute": 16}
